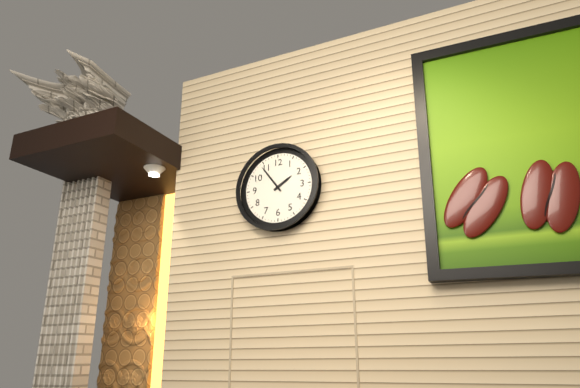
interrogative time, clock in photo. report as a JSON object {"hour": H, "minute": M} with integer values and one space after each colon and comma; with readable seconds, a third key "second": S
{"hour": 1, "minute": 54}
